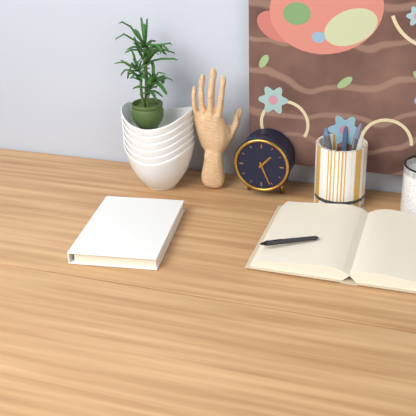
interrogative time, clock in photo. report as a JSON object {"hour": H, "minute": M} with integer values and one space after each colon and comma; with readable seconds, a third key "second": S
{"hour": 1, "minute": 26}
